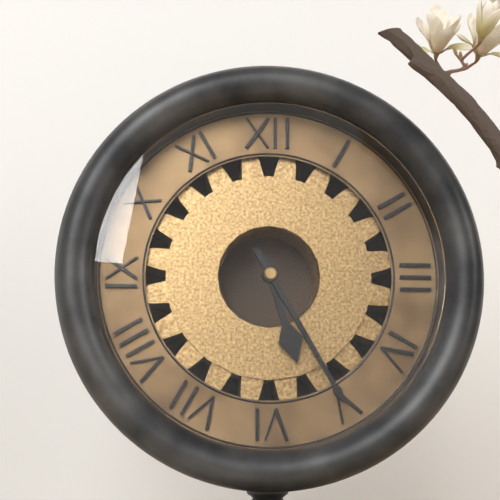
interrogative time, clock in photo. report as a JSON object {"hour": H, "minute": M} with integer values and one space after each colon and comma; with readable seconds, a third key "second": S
{"hour": 5, "minute": 25}
